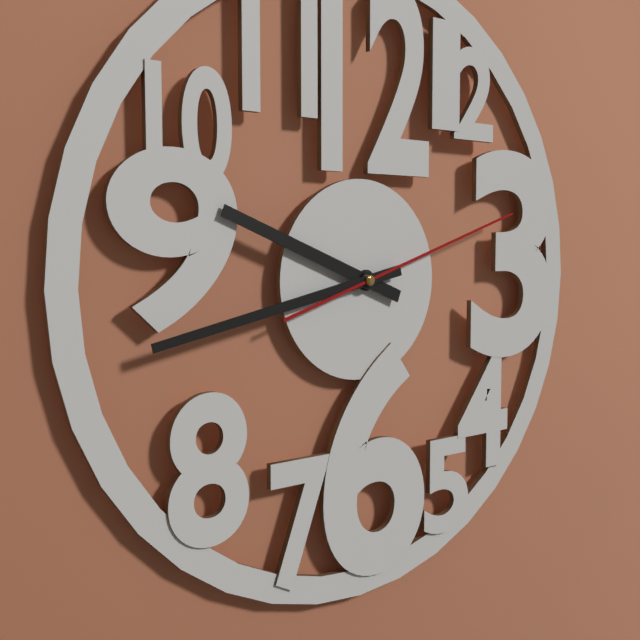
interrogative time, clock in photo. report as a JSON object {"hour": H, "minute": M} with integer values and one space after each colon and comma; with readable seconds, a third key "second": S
{"hour": 9, "minute": 43, "second": 12}
